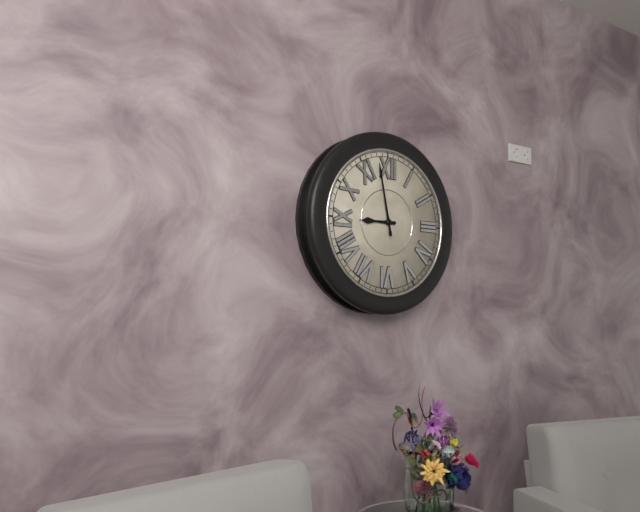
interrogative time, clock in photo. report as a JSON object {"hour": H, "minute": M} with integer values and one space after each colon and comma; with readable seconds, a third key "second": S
{"hour": 8, "minute": 58}
